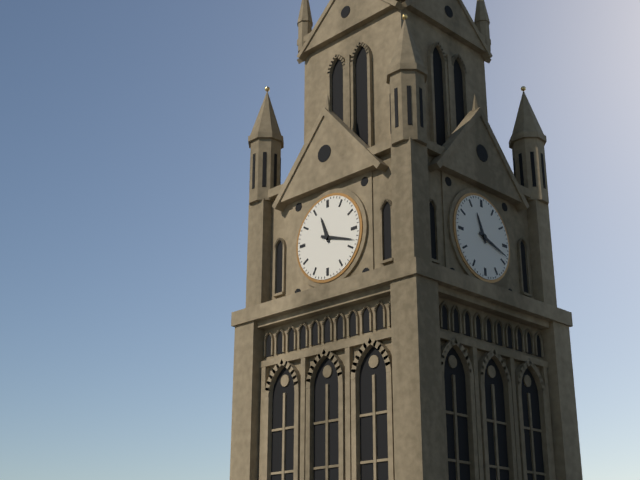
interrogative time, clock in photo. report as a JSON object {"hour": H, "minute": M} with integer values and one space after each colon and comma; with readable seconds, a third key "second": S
{"hour": 11, "minute": 18}
